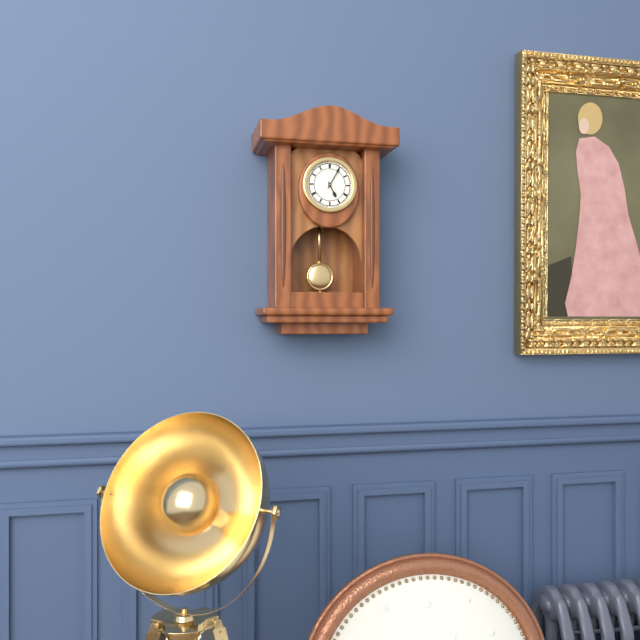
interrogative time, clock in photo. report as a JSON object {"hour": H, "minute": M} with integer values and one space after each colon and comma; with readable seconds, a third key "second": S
{"hour": 5, "minute": 5}
